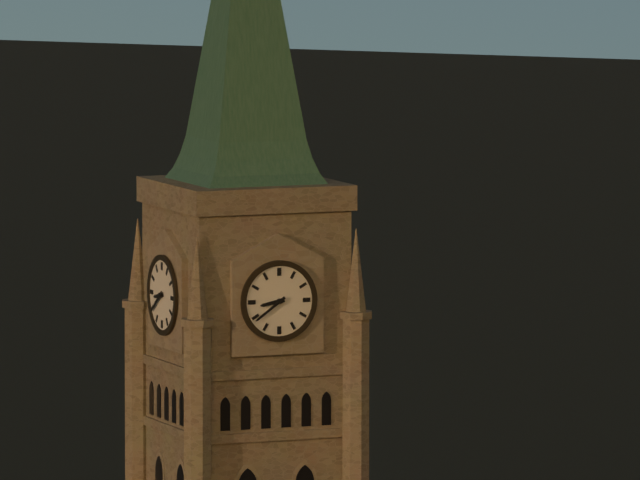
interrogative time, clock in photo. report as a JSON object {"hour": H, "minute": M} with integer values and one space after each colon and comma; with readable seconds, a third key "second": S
{"hour": 8, "minute": 39}
